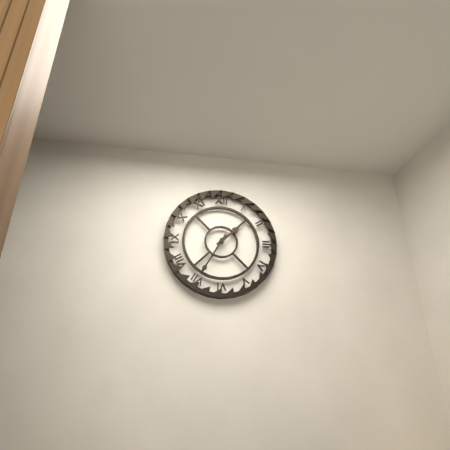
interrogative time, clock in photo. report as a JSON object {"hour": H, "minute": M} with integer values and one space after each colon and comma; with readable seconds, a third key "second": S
{"hour": 1, "minute": 35}
